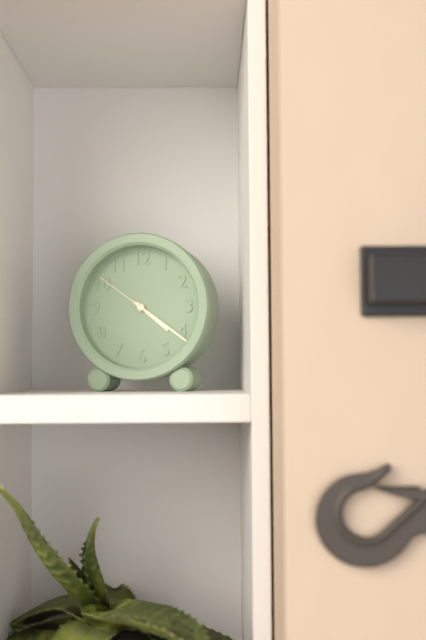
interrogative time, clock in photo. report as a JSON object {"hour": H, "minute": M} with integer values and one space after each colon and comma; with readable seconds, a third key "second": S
{"hour": 4, "minute": 21, "second": 51}
